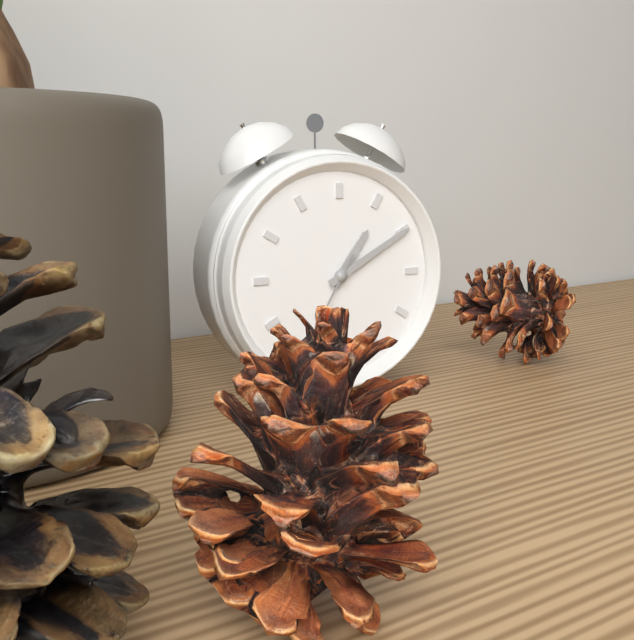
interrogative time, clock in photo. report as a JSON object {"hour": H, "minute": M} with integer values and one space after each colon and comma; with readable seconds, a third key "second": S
{"hour": 1, "minute": 10}
